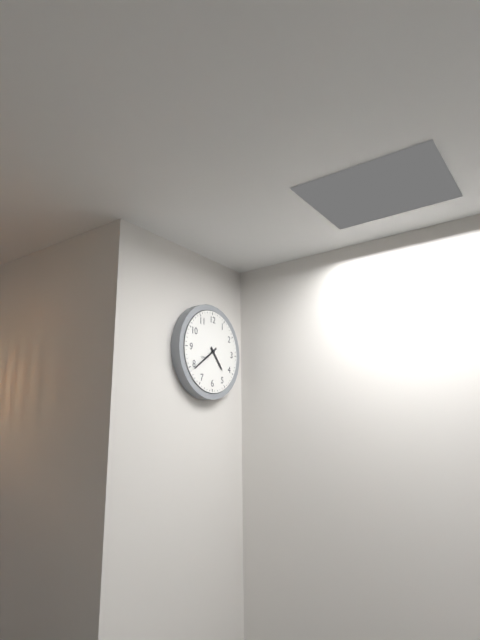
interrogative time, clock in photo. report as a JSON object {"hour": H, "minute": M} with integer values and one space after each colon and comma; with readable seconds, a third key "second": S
{"hour": 4, "minute": 39}
